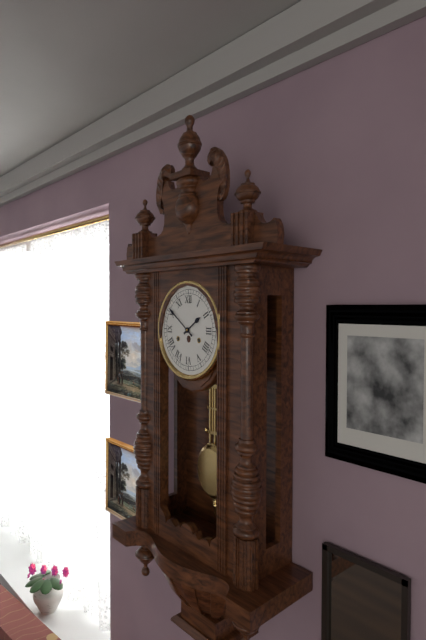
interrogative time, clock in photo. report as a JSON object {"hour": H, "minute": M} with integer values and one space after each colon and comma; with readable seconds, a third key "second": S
{"hour": 1, "minute": 51}
